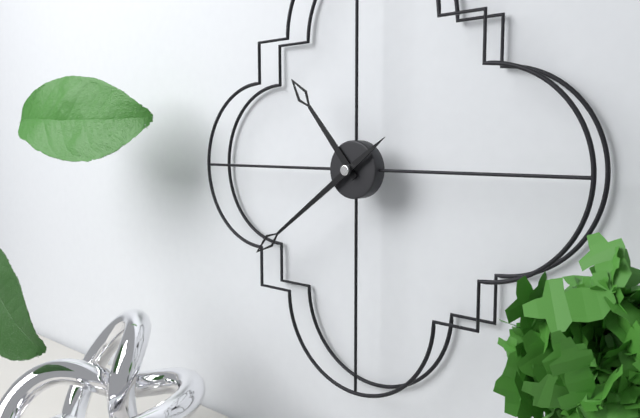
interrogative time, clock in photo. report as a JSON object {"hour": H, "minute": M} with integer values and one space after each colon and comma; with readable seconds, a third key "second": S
{"hour": 10, "minute": 39}
